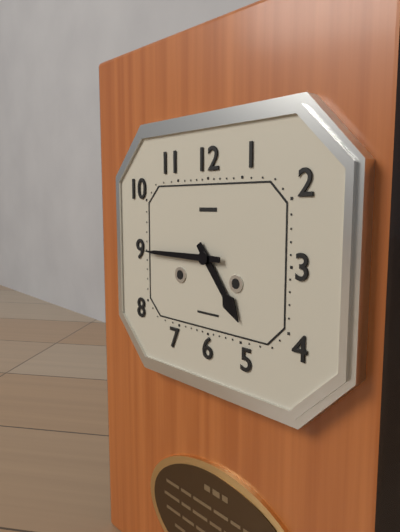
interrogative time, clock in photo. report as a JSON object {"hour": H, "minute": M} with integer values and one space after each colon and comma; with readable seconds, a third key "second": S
{"hour": 4, "minute": 45}
